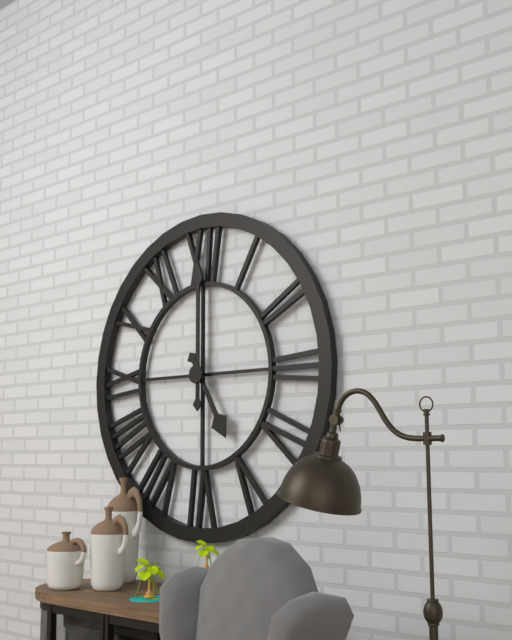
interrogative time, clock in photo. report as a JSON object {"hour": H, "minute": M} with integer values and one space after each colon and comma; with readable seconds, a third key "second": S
{"hour": 5, "minute": 0}
